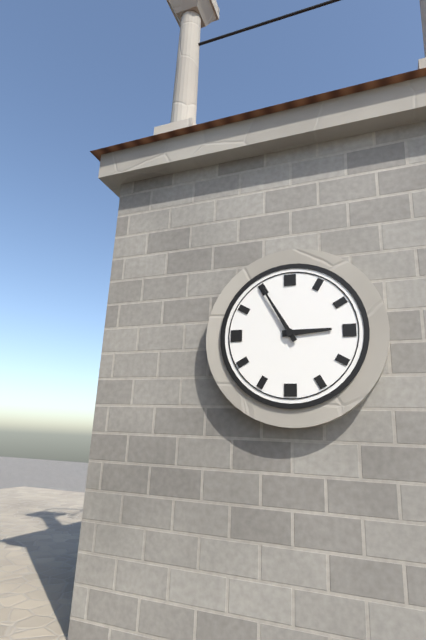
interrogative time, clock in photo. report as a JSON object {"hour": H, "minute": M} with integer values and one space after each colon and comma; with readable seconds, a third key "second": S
{"hour": 2, "minute": 55}
